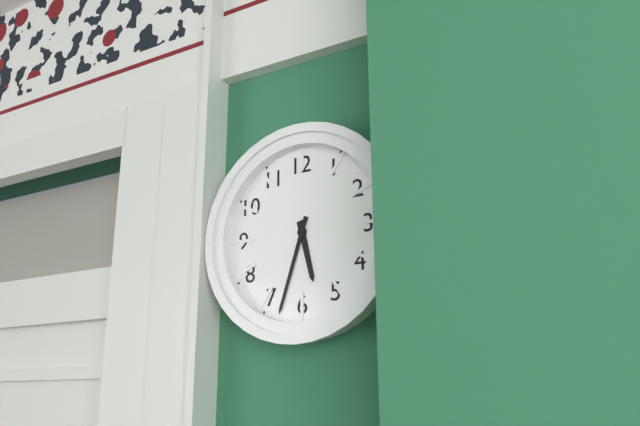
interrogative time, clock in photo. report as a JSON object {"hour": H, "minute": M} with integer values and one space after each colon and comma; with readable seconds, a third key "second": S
{"hour": 5, "minute": 33}
